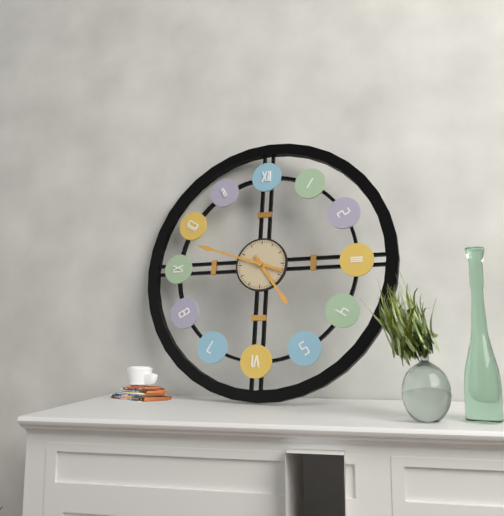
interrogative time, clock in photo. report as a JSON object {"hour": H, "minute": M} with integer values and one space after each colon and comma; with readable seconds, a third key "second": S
{"hour": 4, "minute": 48}
